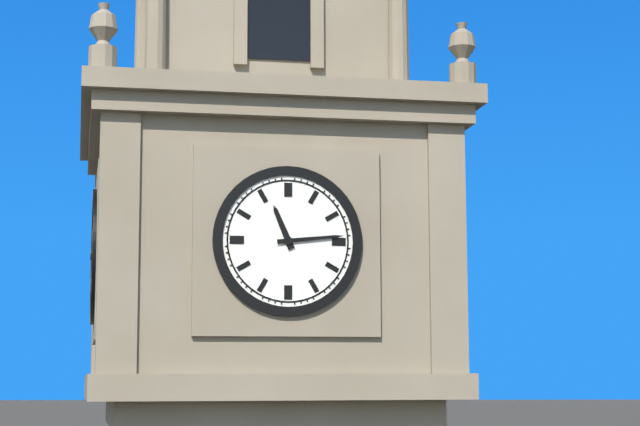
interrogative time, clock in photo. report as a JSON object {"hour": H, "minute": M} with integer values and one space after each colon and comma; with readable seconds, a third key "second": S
{"hour": 11, "minute": 14}
